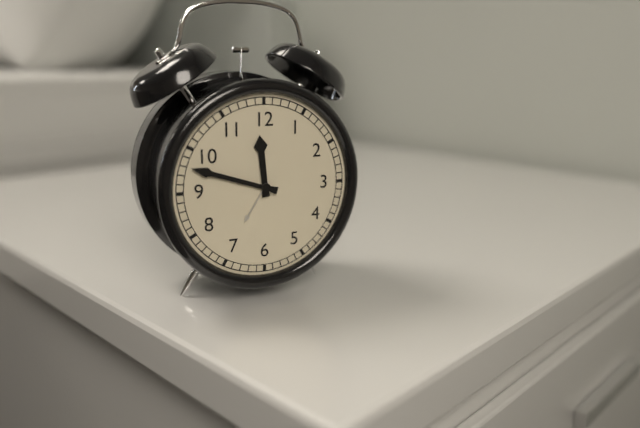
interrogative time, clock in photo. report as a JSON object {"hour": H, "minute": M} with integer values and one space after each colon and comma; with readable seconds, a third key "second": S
{"hour": 11, "minute": 48}
